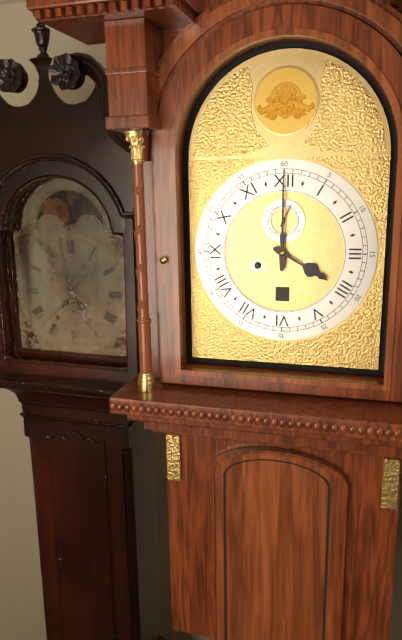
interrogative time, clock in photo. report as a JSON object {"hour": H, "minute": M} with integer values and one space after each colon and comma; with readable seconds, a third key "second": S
{"hour": 4, "minute": 0}
